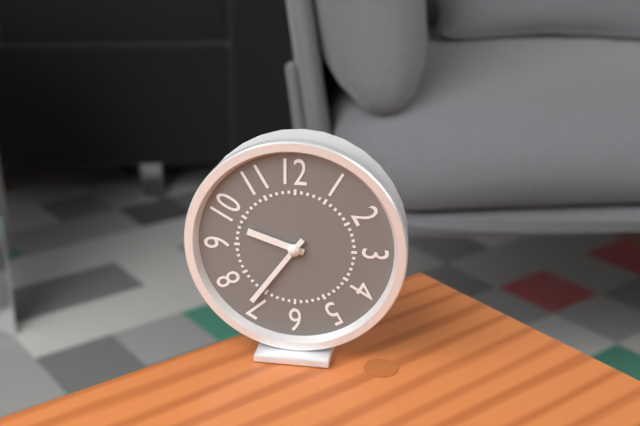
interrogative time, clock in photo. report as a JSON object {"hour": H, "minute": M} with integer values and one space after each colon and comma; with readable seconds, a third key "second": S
{"hour": 9, "minute": 36}
